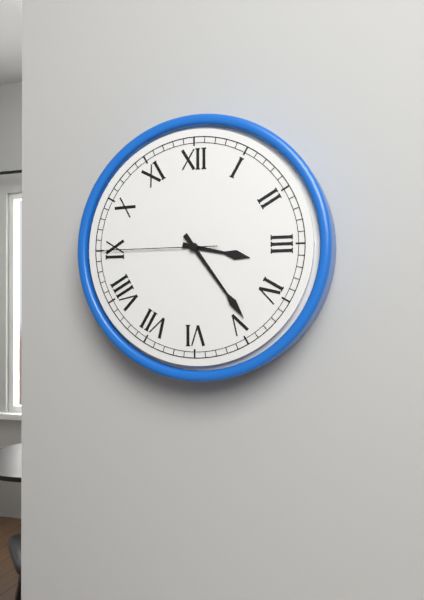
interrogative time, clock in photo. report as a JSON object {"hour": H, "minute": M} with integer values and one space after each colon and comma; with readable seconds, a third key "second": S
{"hour": 3, "minute": 24, "second": 45}
